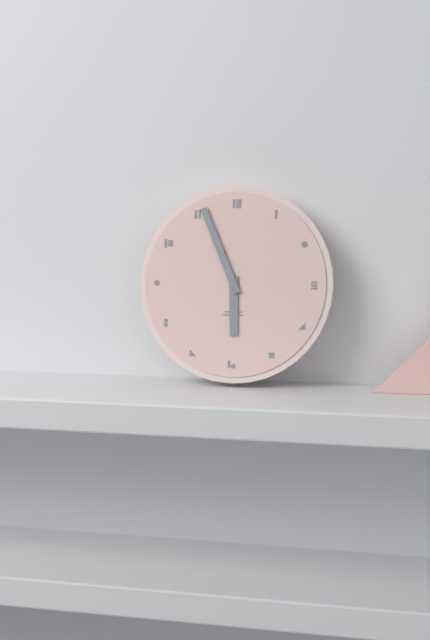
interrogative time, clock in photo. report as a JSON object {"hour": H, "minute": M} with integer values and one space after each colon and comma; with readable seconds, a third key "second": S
{"hour": 5, "minute": 56}
